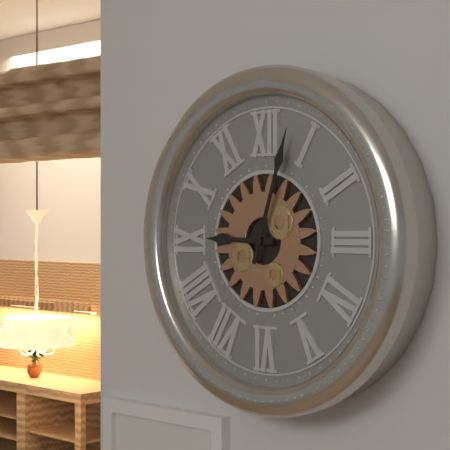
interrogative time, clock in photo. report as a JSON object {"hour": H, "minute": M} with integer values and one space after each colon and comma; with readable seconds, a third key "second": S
{"hour": 9, "minute": 3}
